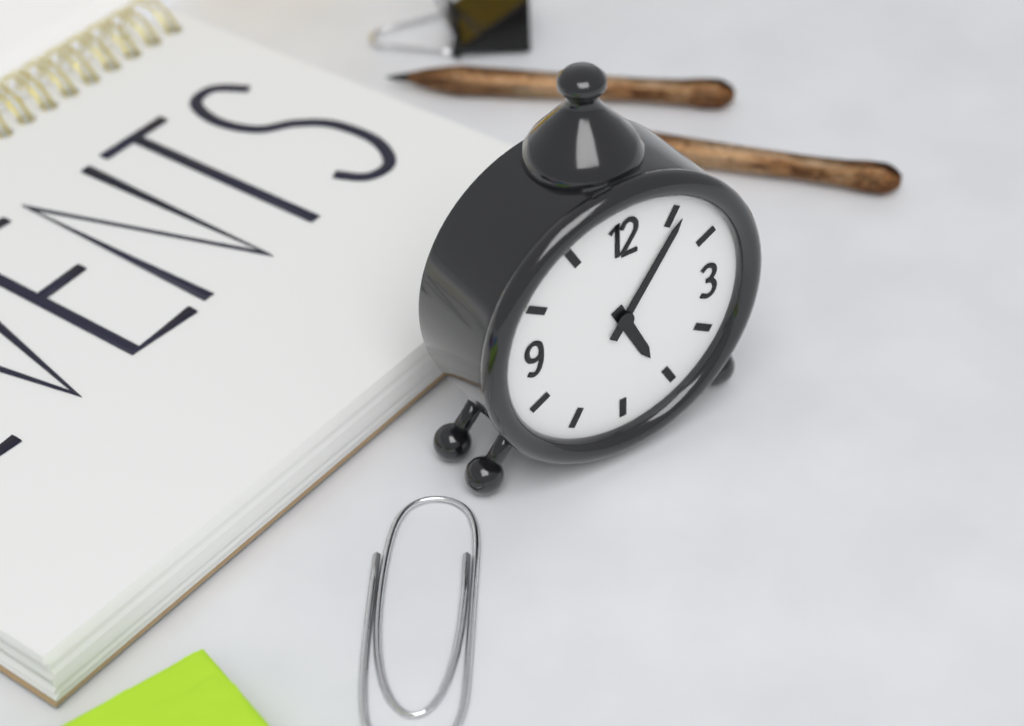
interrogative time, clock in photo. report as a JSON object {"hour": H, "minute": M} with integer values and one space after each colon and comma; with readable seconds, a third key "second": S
{"hour": 5, "minute": 6}
